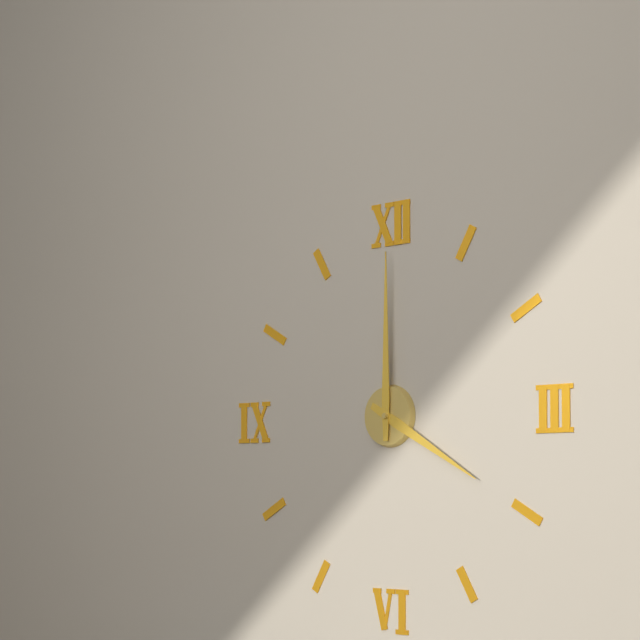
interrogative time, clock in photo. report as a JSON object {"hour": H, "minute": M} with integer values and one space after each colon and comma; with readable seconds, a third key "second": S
{"hour": 4, "minute": 0}
